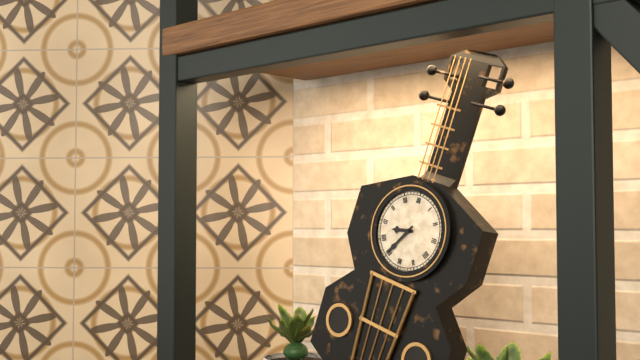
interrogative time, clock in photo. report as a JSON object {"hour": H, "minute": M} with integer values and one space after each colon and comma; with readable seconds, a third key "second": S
{"hour": 8, "minute": 35}
